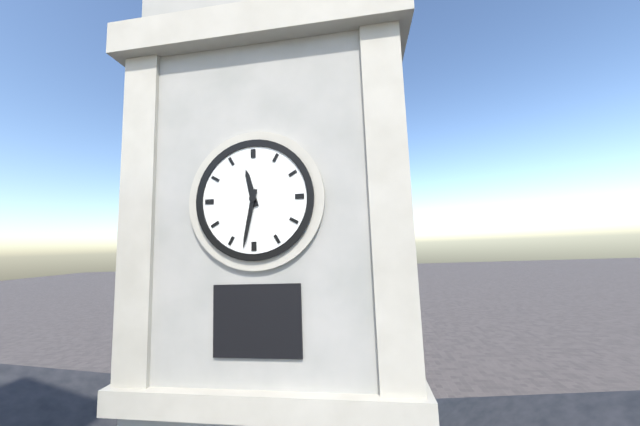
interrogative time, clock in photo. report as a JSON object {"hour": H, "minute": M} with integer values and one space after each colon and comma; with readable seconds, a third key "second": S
{"hour": 11, "minute": 32}
